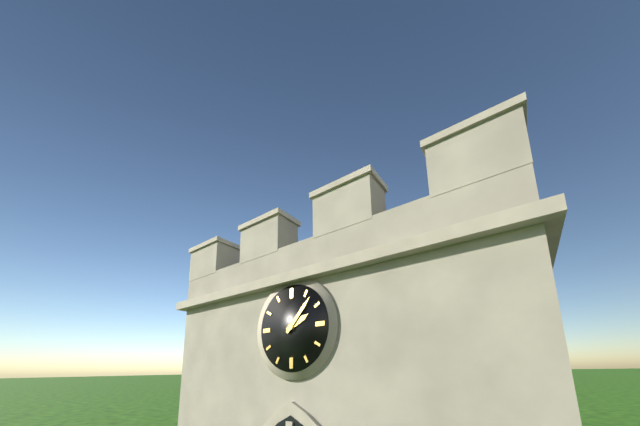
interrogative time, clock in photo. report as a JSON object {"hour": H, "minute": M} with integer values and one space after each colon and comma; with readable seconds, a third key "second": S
{"hour": 2, "minute": 7}
